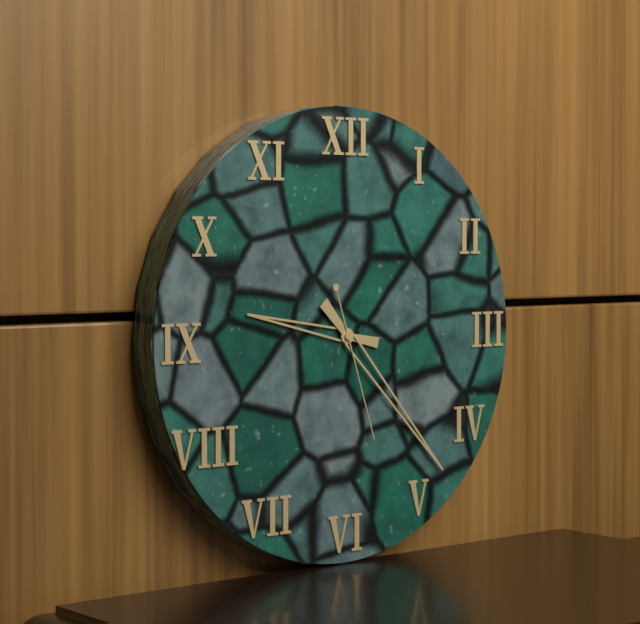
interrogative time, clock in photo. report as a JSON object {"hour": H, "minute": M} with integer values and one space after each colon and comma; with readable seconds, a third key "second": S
{"hour": 9, "minute": 23, "second": 27}
